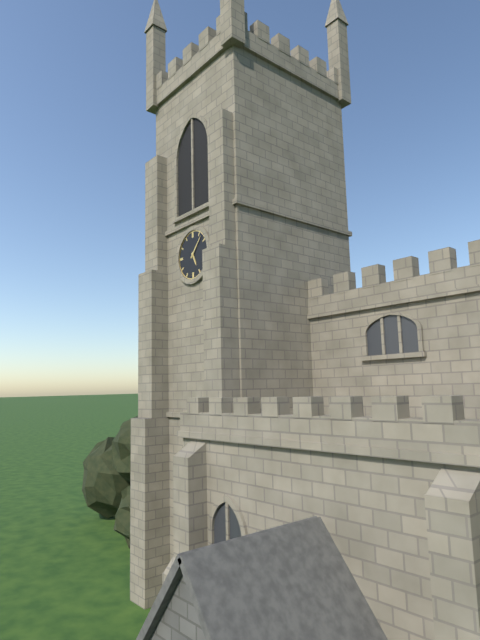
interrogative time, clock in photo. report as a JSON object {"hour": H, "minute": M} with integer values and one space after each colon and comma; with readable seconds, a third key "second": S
{"hour": 5, "minute": 7}
